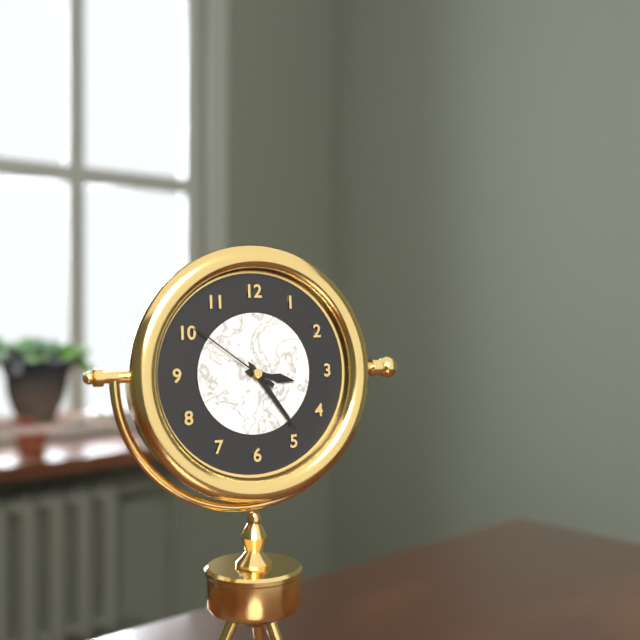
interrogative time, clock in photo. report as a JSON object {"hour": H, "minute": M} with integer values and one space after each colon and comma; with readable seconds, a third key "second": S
{"hour": 3, "minute": 24, "second": 51}
